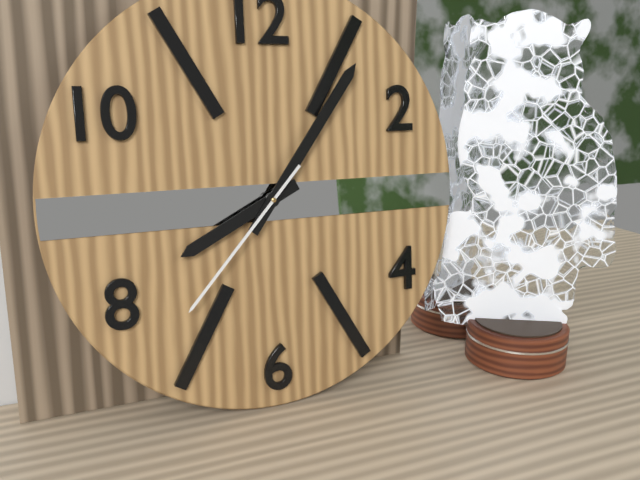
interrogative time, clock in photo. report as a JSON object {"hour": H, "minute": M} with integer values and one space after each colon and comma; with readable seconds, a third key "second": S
{"hour": 8, "minute": 6, "second": 37}
